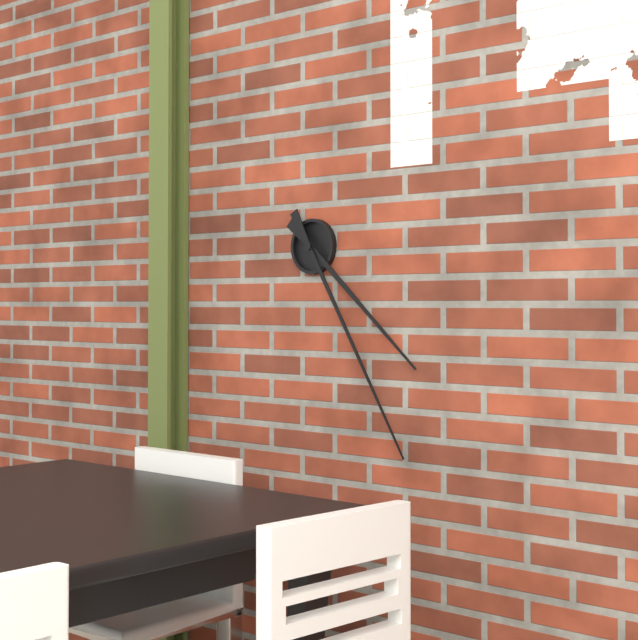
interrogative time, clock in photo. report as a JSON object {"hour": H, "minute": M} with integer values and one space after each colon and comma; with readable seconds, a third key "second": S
{"hour": 4, "minute": 25}
